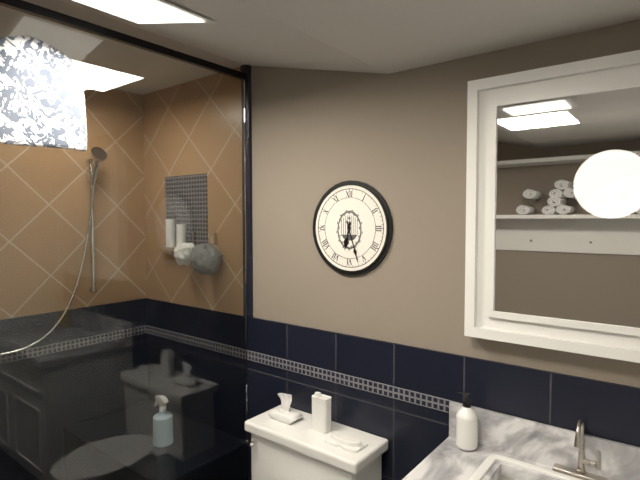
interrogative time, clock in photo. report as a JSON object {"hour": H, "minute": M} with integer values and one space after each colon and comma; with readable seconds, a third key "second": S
{"hour": 6, "minute": 27}
